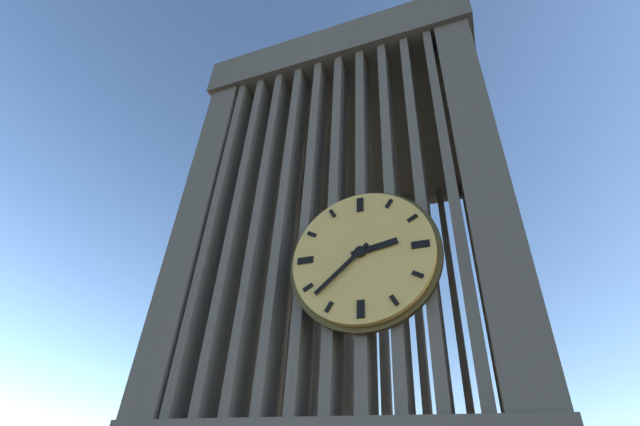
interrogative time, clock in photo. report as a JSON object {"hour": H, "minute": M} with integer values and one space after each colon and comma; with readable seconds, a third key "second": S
{"hour": 2, "minute": 38}
